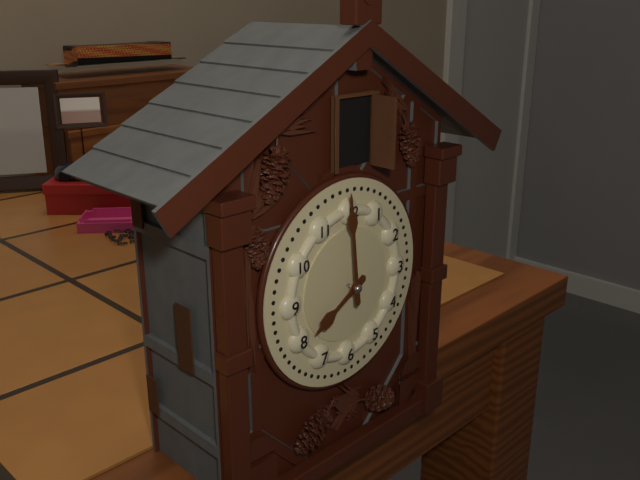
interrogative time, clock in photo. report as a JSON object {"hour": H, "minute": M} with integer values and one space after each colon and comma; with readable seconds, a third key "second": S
{"hour": 7, "minute": 59}
